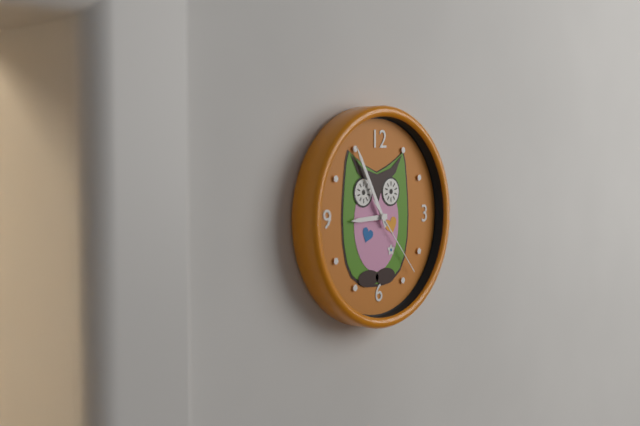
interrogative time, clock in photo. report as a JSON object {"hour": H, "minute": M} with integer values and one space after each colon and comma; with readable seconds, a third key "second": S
{"hour": 8, "minute": 55, "second": 23}
